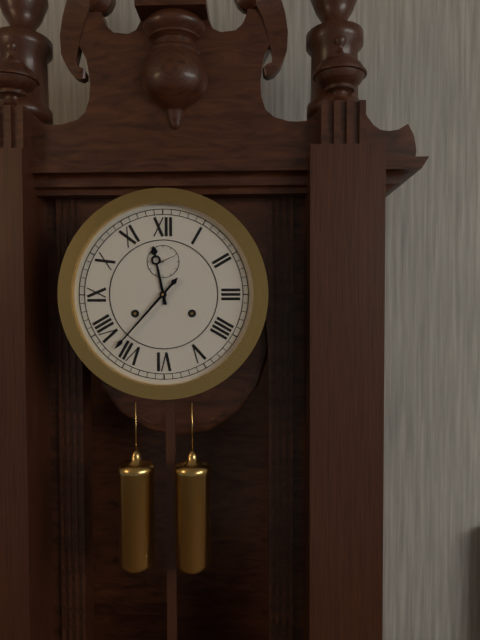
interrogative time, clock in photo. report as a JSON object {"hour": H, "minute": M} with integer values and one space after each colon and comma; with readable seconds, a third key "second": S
{"hour": 11, "minute": 37}
